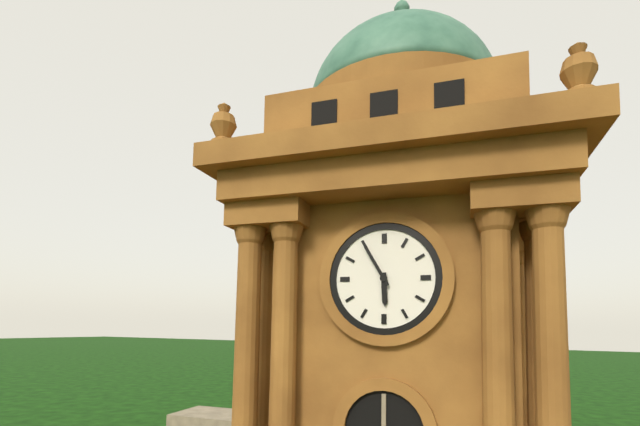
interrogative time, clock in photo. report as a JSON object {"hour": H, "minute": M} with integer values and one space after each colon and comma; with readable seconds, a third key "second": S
{"hour": 5, "minute": 55}
